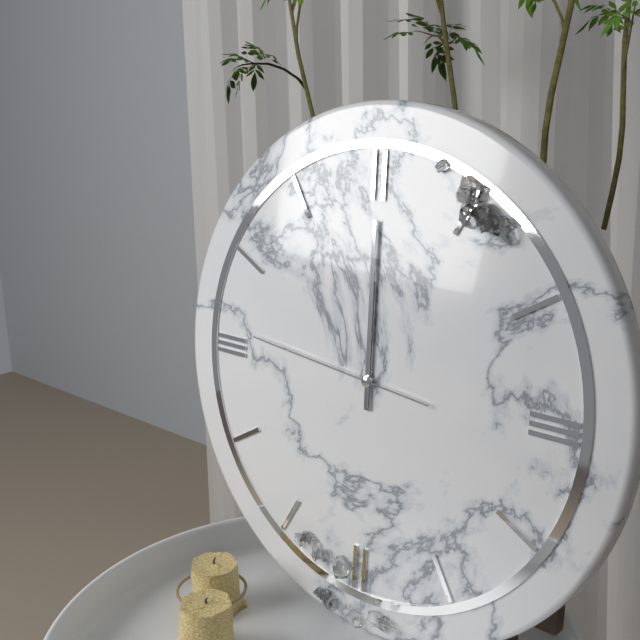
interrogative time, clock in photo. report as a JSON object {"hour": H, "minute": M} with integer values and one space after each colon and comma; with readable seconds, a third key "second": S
{"hour": 12, "minute": 0, "second": 46}
